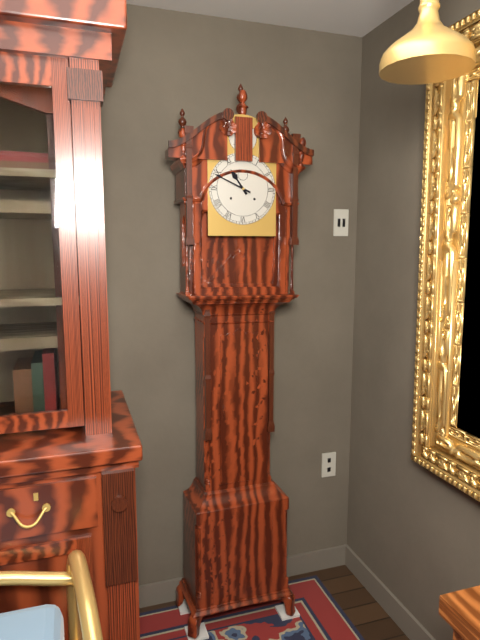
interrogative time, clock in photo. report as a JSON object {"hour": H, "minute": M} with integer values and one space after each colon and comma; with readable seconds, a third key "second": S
{"hour": 10, "minute": 49}
